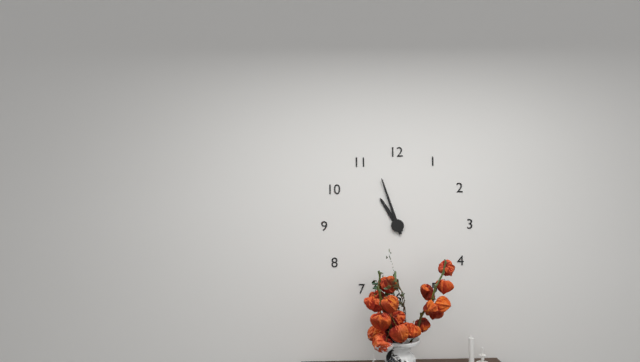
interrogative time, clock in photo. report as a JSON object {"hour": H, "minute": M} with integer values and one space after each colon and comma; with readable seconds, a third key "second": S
{"hour": 10, "minute": 57}
